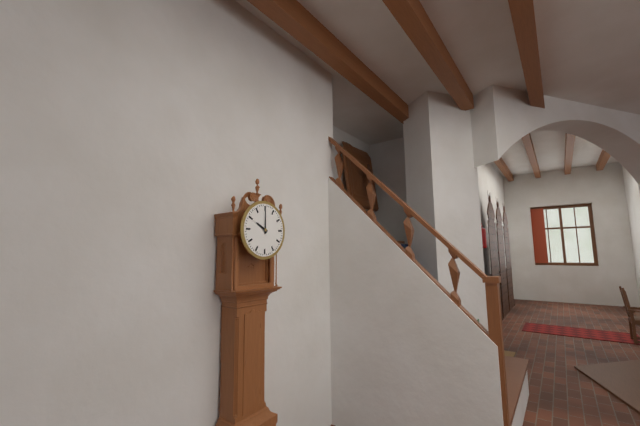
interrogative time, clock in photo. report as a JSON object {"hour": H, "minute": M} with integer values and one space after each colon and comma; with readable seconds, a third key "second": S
{"hour": 10, "minute": 0}
